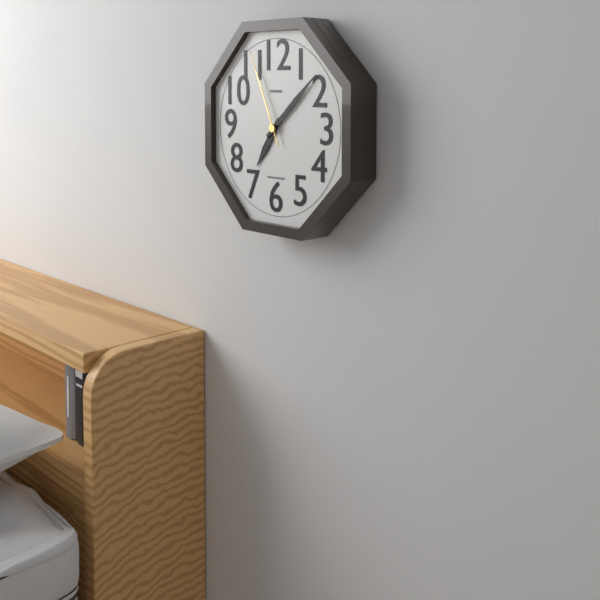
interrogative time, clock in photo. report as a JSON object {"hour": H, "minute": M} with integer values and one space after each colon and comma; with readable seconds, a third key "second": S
{"hour": 7, "minute": 8, "second": 56}
